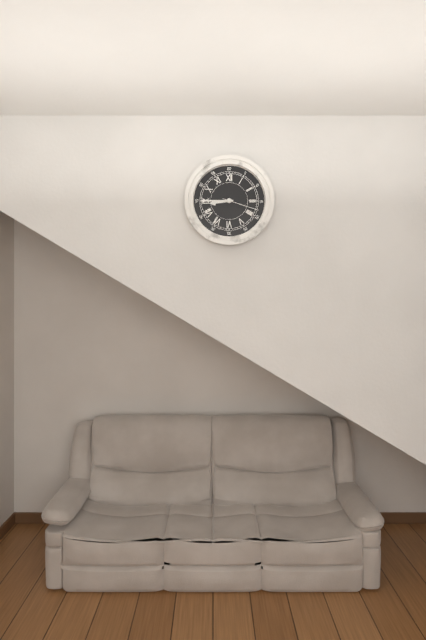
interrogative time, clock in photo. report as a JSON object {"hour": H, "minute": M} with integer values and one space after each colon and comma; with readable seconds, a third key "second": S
{"hour": 8, "minute": 45}
